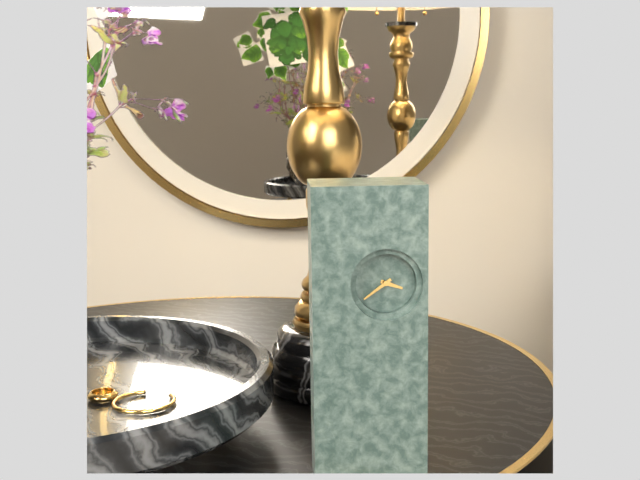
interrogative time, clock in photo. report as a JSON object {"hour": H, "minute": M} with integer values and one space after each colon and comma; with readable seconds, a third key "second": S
{"hour": 3, "minute": 39}
